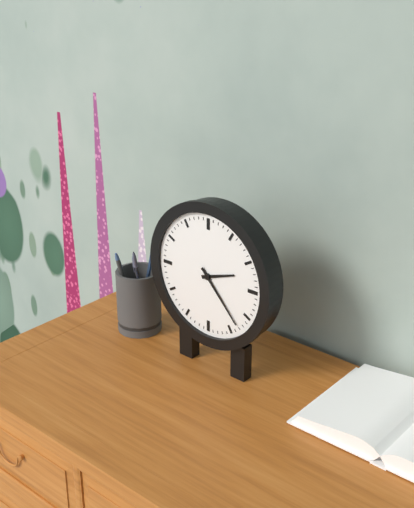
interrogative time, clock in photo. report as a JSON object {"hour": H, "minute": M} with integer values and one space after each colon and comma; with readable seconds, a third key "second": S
{"hour": 2, "minute": 23}
